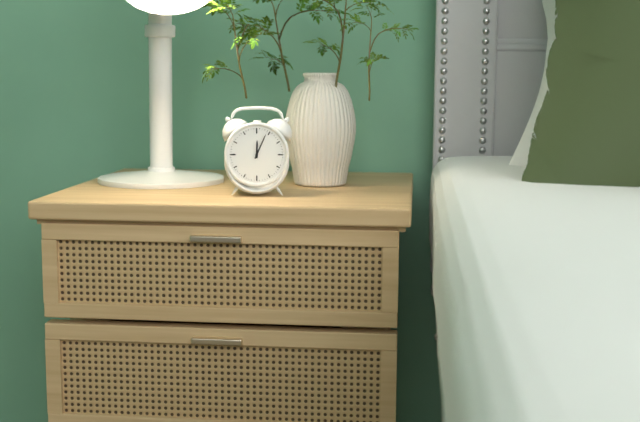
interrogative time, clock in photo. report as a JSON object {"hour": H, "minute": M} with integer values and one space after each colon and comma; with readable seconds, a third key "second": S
{"hour": 12, "minute": 4}
